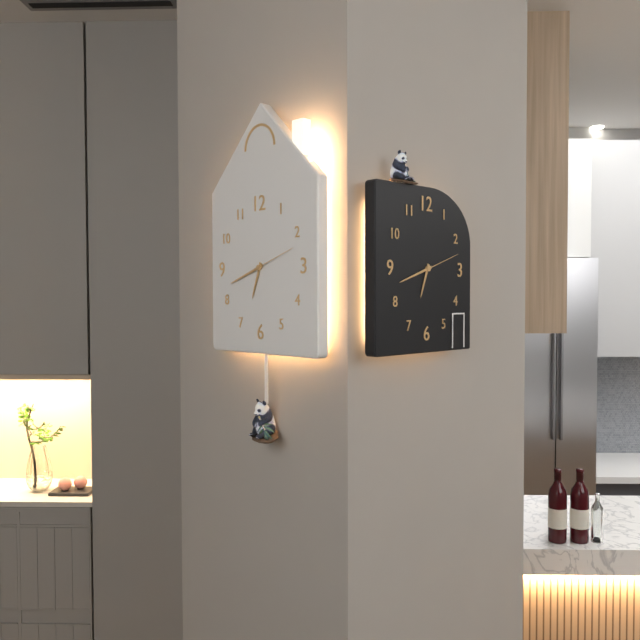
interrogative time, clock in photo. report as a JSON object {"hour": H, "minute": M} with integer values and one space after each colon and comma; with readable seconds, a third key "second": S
{"hour": 6, "minute": 42, "second": 12}
